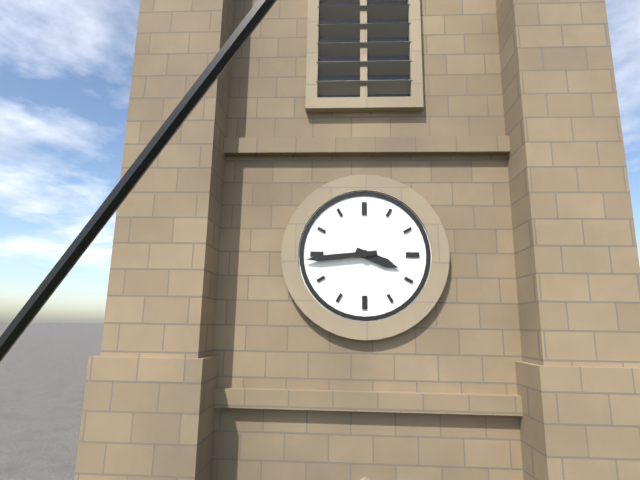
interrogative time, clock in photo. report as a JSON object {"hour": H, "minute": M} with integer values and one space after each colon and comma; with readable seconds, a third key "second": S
{"hour": 3, "minute": 44}
